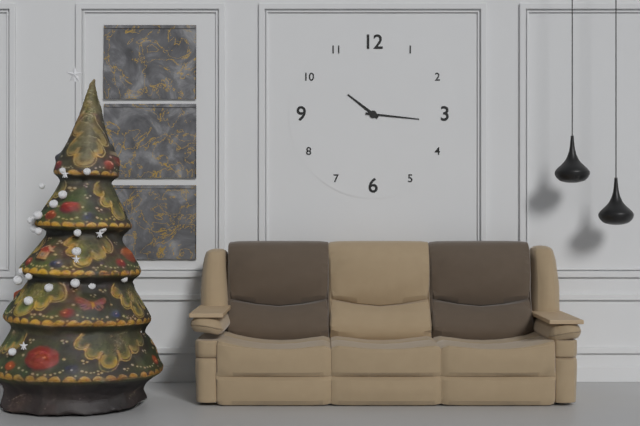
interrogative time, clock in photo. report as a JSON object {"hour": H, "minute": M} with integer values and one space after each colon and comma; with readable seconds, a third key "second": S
{"hour": 10, "minute": 16}
